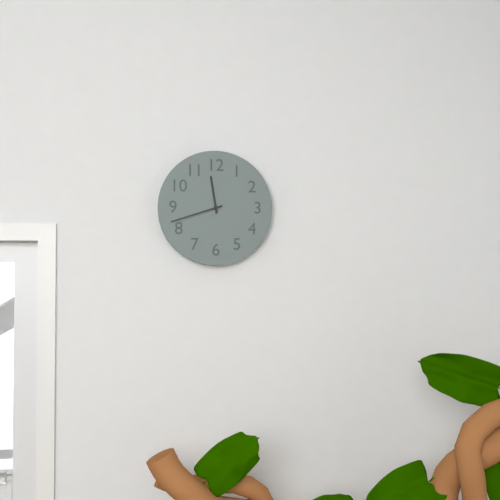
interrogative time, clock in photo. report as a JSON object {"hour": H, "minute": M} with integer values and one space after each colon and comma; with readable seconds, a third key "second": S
{"hour": 11, "minute": 42}
